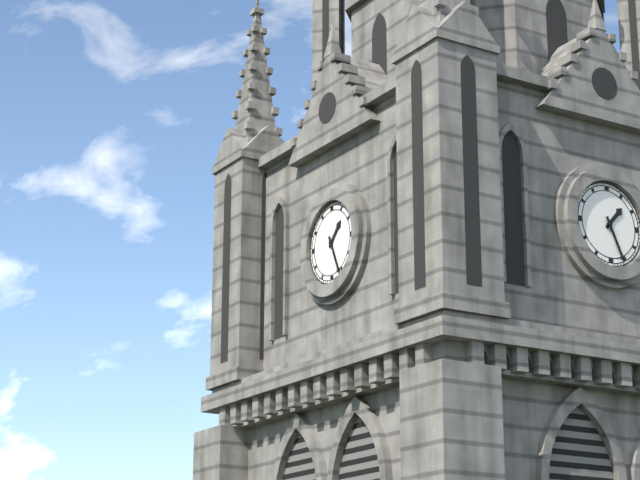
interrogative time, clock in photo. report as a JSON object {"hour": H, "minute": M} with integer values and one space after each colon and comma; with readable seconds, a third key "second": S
{"hour": 1, "minute": 26}
